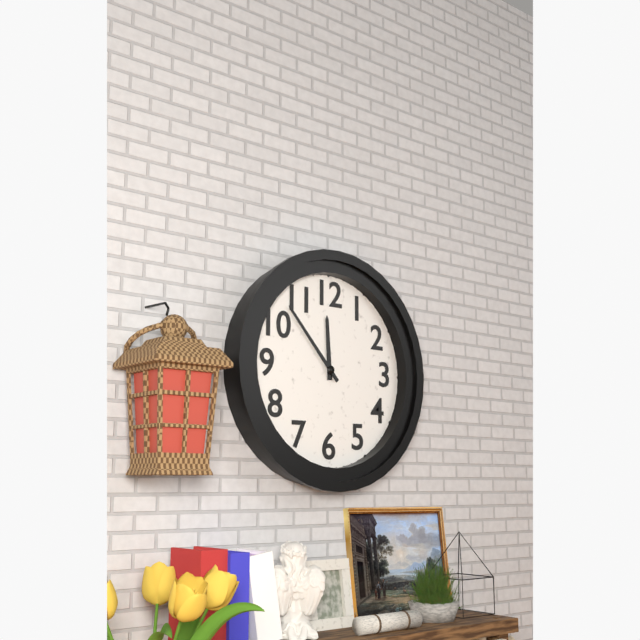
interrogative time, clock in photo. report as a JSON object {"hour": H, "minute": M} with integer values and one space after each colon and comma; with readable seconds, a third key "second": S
{"hour": 11, "minute": 53}
